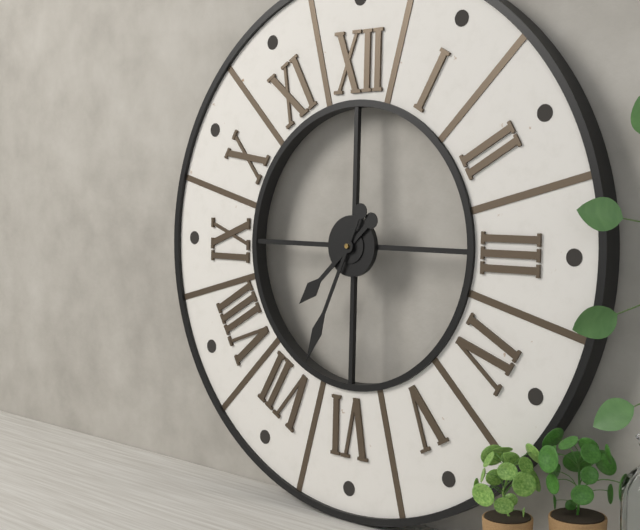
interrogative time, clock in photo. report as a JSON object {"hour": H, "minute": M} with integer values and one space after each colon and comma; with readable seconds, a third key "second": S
{"hour": 7, "minute": 34}
